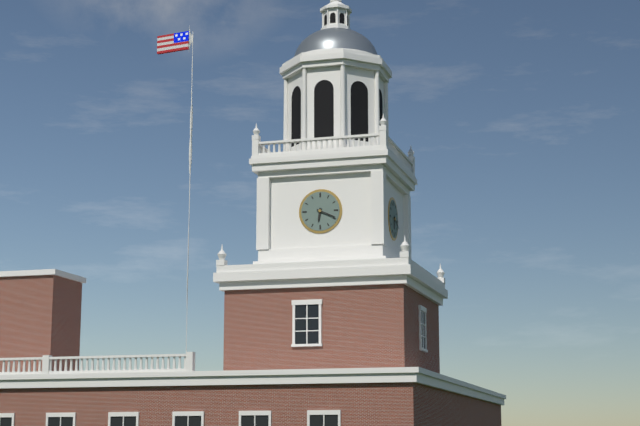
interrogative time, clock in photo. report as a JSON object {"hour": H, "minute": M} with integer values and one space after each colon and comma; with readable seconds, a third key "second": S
{"hour": 6, "minute": 19}
